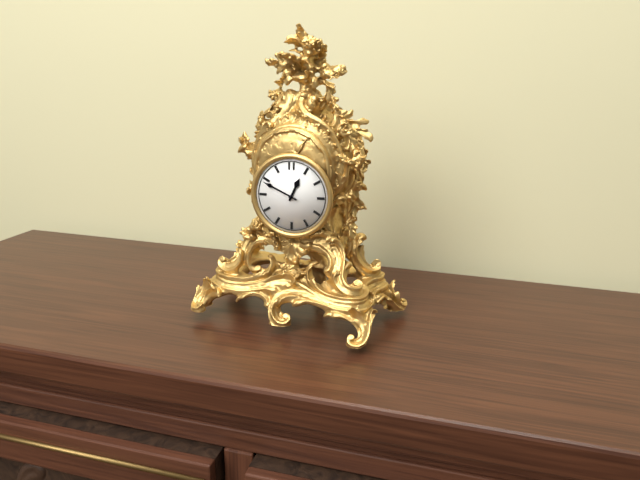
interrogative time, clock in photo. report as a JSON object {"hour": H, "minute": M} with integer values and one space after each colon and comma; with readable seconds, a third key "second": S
{"hour": 12, "minute": 49}
